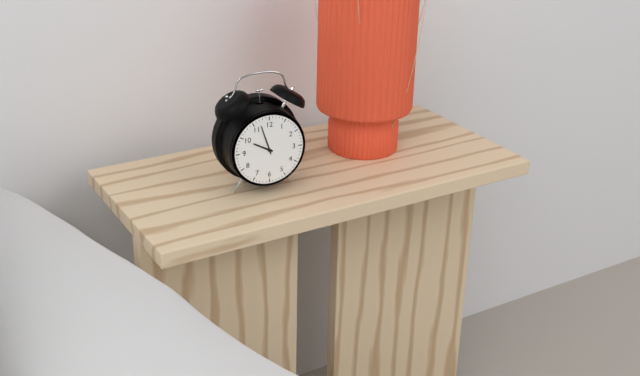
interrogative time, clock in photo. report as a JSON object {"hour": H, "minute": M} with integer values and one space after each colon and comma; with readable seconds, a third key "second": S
{"hour": 9, "minute": 57}
